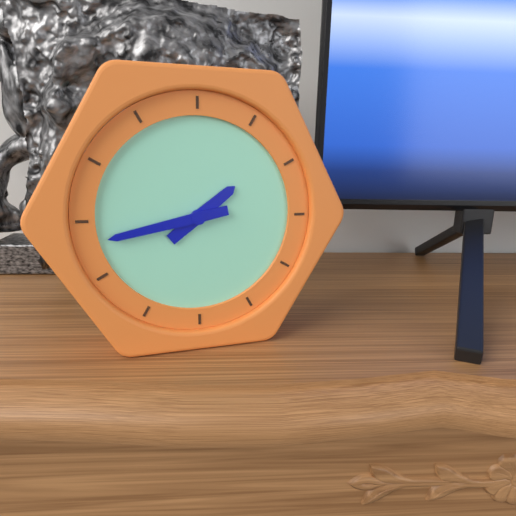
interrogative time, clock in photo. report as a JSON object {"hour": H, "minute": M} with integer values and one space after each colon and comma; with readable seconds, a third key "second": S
{"hour": 1, "minute": 43}
